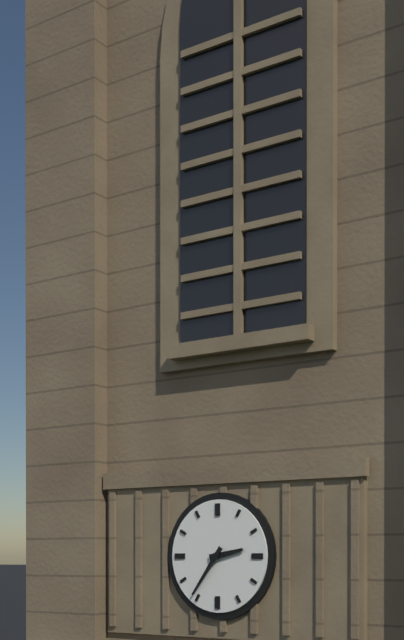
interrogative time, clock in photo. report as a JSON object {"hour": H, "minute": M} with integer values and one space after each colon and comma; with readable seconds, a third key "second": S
{"hour": 2, "minute": 36}
